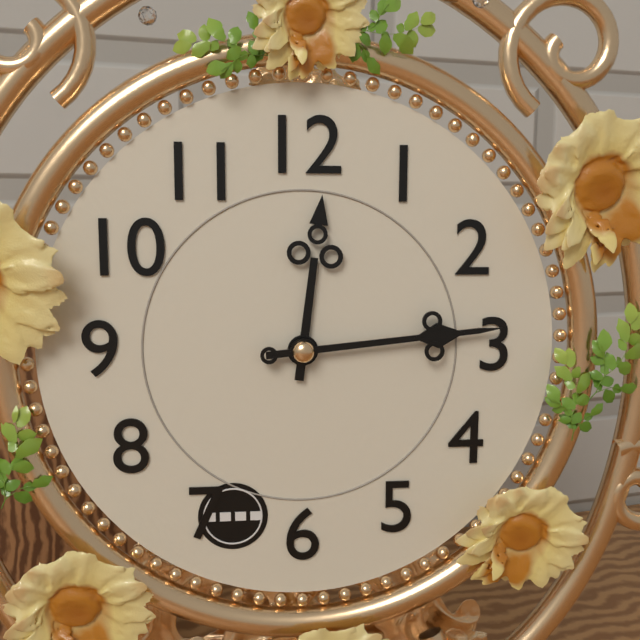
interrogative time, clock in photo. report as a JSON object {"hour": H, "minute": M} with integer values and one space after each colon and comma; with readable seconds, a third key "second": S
{"hour": 12, "minute": 14}
